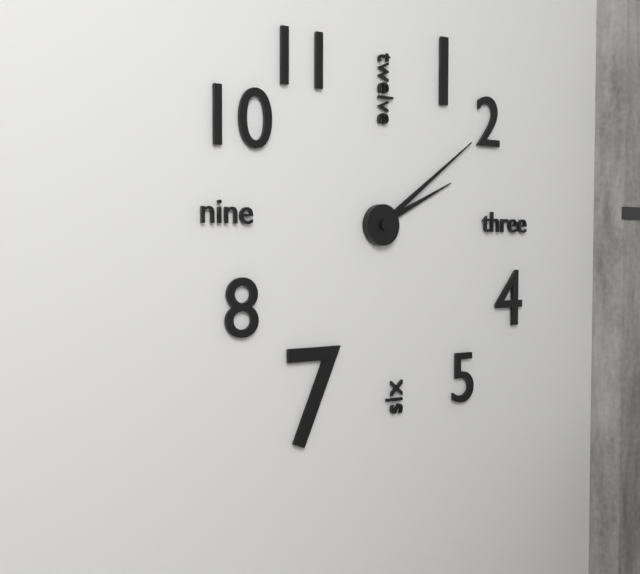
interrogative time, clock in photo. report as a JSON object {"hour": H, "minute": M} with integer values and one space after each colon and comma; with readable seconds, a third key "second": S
{"hour": 2, "minute": 9}
